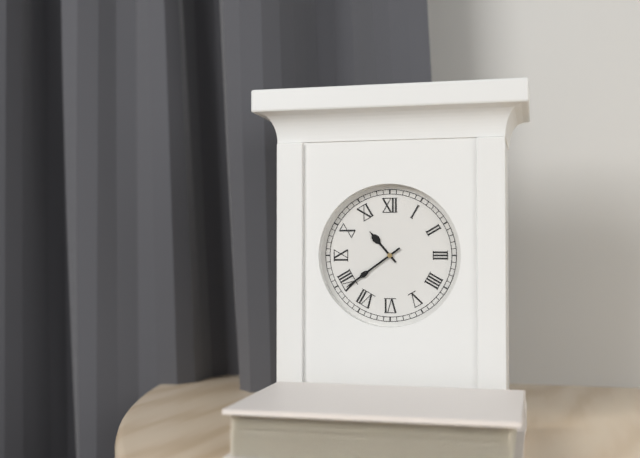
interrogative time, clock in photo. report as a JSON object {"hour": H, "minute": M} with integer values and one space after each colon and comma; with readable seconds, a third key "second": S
{"hour": 10, "minute": 39}
